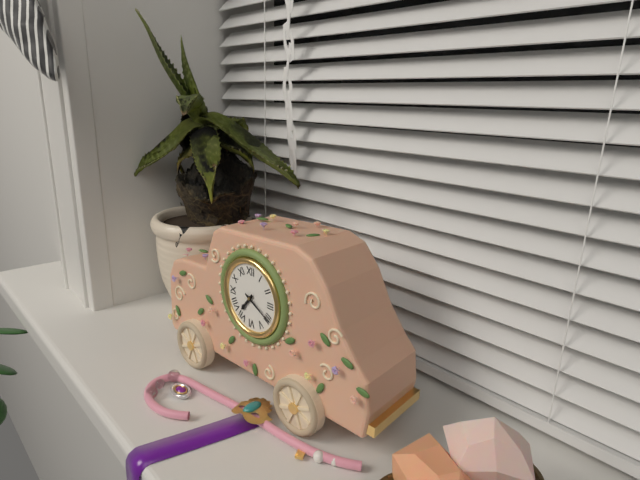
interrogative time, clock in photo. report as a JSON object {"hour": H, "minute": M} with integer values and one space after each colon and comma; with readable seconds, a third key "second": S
{"hour": 7, "minute": 20}
